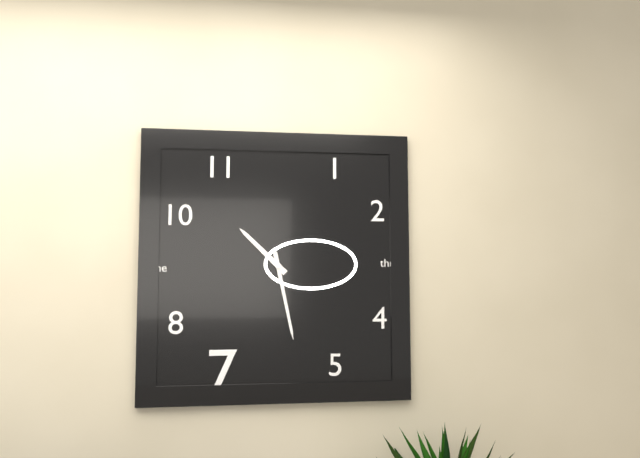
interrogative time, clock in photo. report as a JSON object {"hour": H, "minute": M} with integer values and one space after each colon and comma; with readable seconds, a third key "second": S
{"hour": 10, "minute": 28}
